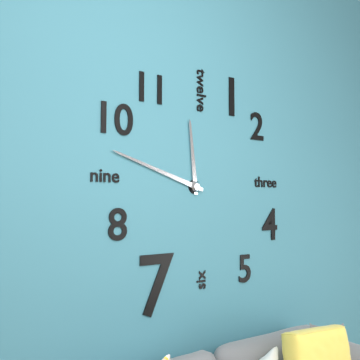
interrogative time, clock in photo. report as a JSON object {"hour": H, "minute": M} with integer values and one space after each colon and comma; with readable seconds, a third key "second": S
{"hour": 11, "minute": 48}
